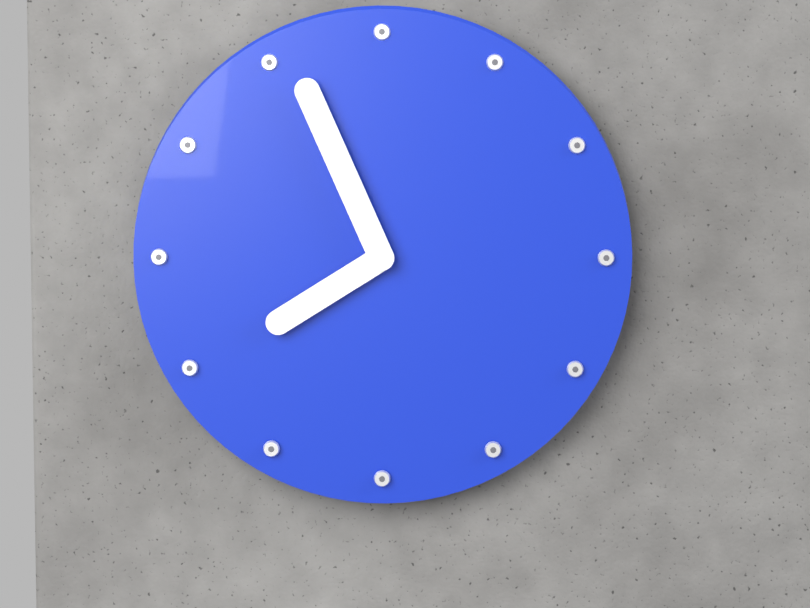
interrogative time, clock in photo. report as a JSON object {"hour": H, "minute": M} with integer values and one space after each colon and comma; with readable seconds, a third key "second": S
{"hour": 7, "minute": 56}
